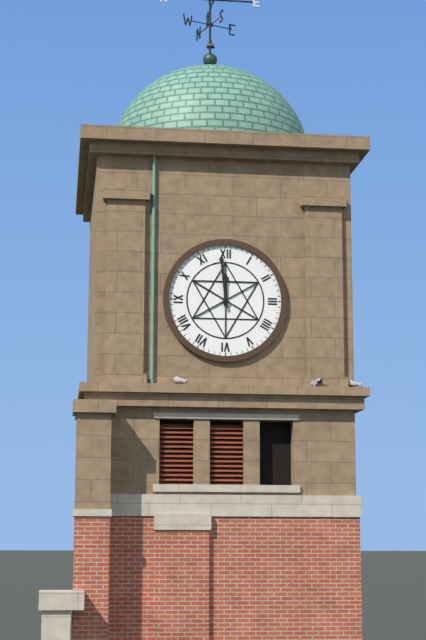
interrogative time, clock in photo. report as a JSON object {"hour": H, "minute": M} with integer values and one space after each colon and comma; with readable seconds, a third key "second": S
{"hour": 11, "minute": 59}
